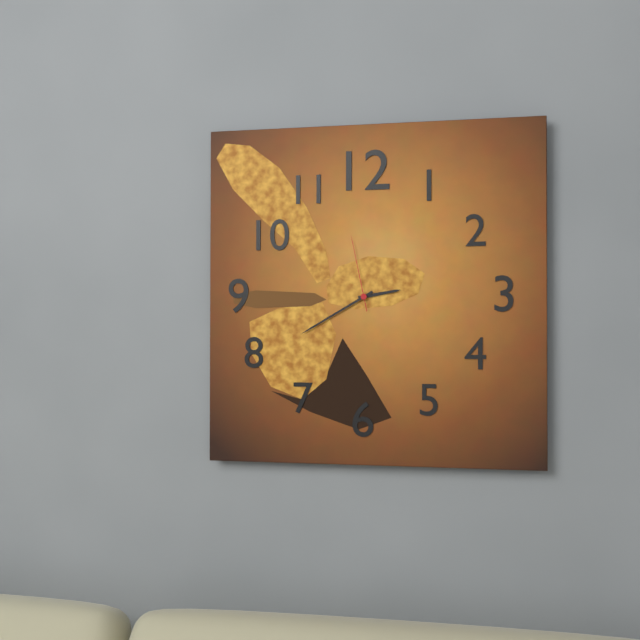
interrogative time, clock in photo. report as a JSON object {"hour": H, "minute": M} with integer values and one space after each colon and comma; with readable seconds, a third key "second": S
{"hour": 2, "minute": 40, "second": 58}
